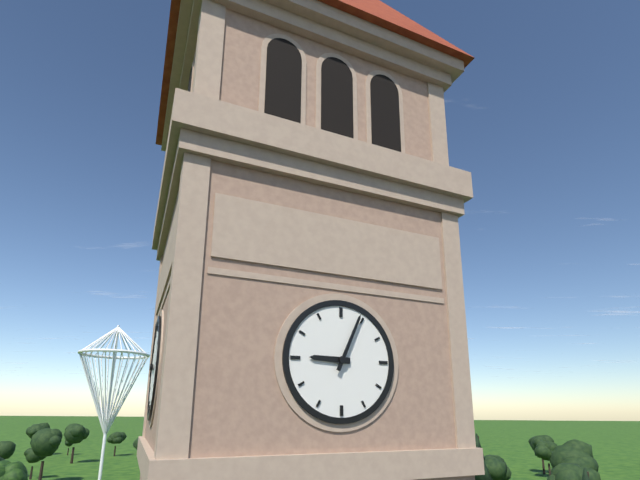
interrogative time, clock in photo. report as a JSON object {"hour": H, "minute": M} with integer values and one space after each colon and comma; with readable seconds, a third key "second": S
{"hour": 9, "minute": 4}
